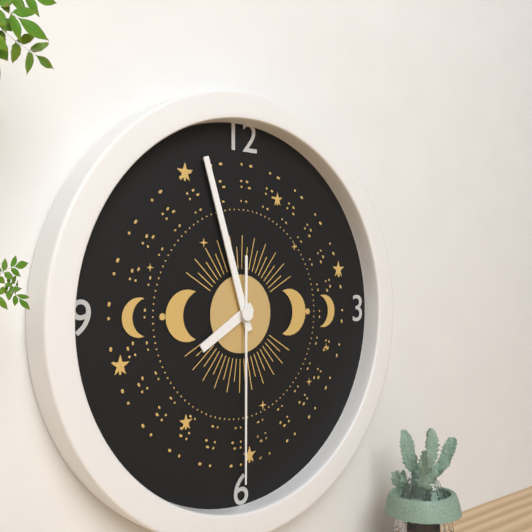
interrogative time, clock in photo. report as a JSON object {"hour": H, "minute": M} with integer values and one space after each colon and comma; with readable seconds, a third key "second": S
{"hour": 7, "minute": 57, "second": 30}
